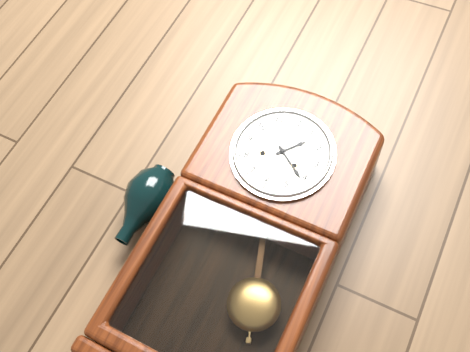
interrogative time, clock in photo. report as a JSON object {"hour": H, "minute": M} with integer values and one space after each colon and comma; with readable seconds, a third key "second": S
{"hour": 1, "minute": 21}
